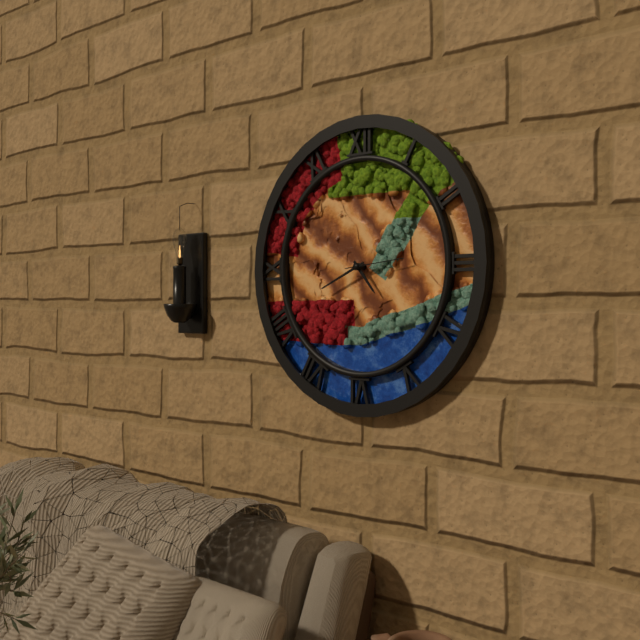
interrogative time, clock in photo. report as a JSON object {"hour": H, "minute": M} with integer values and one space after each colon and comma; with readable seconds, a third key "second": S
{"hour": 4, "minute": 41}
